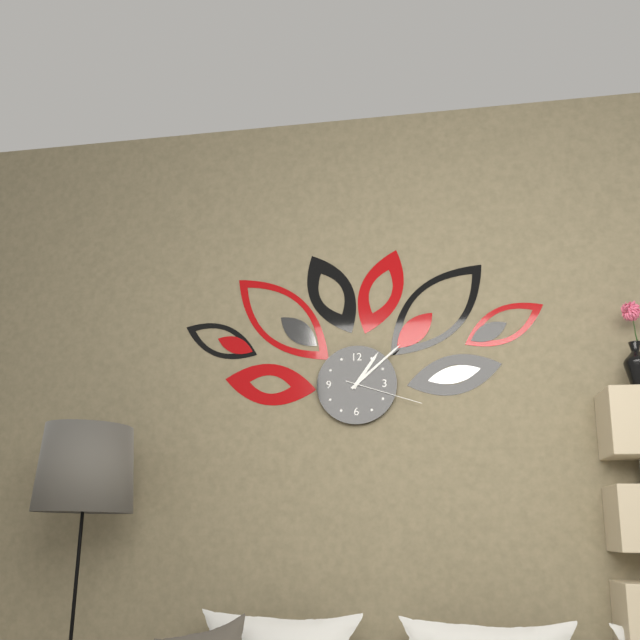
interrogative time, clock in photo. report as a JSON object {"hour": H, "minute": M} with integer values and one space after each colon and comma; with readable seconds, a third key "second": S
{"hour": 1, "minute": 8, "second": 18}
